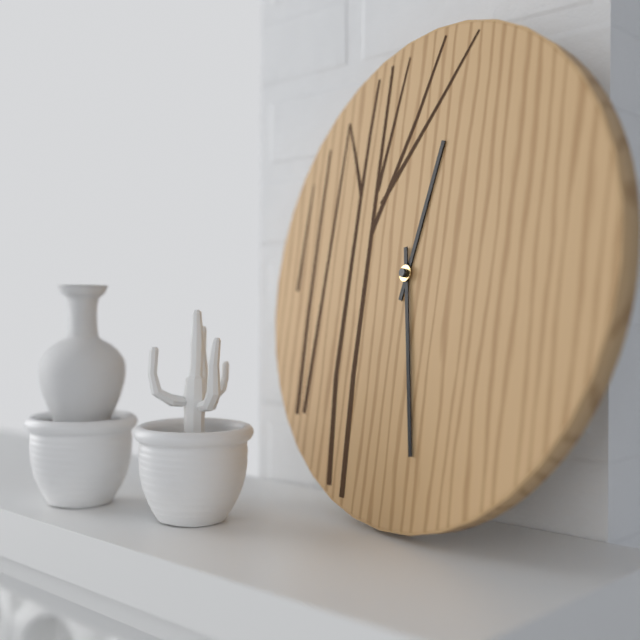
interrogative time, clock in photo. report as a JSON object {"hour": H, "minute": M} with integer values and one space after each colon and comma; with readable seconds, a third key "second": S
{"hour": 12, "minute": 28}
